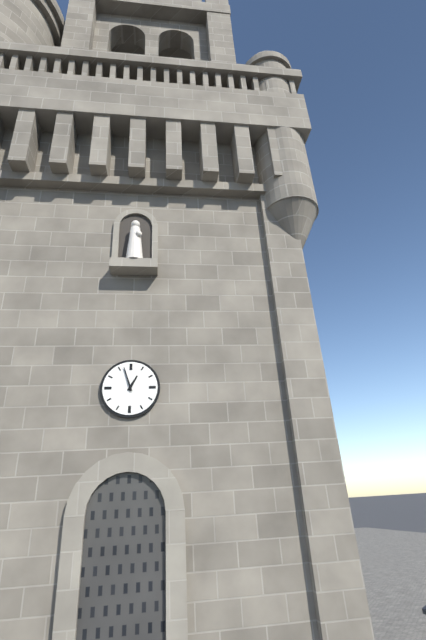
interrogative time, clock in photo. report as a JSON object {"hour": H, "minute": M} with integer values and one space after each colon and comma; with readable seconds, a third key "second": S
{"hour": 12, "minute": 57}
